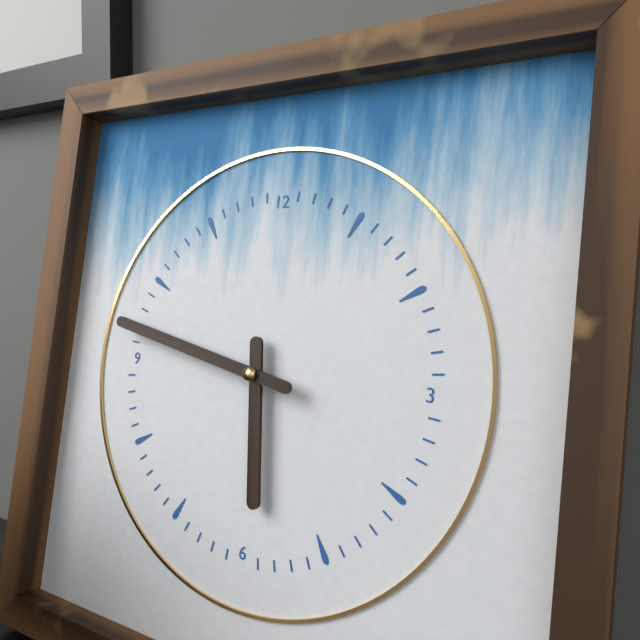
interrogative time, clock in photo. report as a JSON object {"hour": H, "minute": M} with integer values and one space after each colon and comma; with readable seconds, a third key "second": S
{"hour": 5, "minute": 47}
